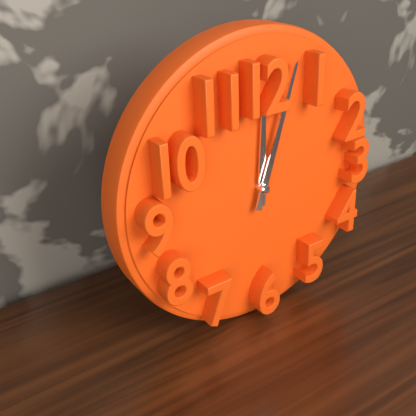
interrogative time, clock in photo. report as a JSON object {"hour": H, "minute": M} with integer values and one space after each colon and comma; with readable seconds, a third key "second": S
{"hour": 12, "minute": 3}
